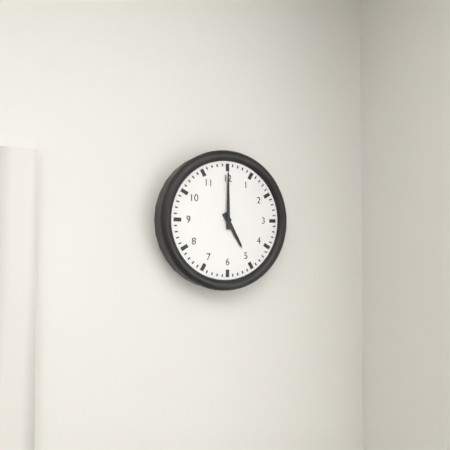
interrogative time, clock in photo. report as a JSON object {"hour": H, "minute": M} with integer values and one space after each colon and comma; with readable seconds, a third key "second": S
{"hour": 5, "minute": 0}
